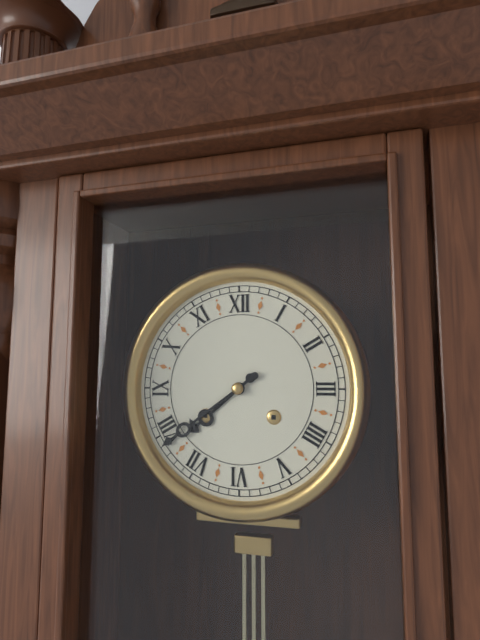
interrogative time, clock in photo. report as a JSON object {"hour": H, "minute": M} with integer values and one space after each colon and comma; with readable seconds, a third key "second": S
{"hour": 7, "minute": 39}
